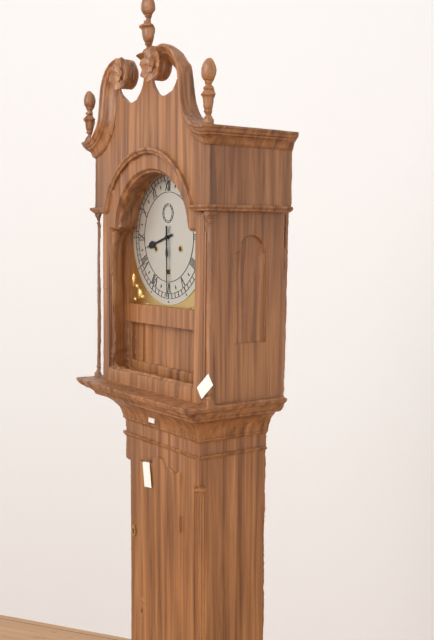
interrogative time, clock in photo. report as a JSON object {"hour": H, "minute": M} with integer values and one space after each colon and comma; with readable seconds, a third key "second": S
{"hour": 8, "minute": 30}
